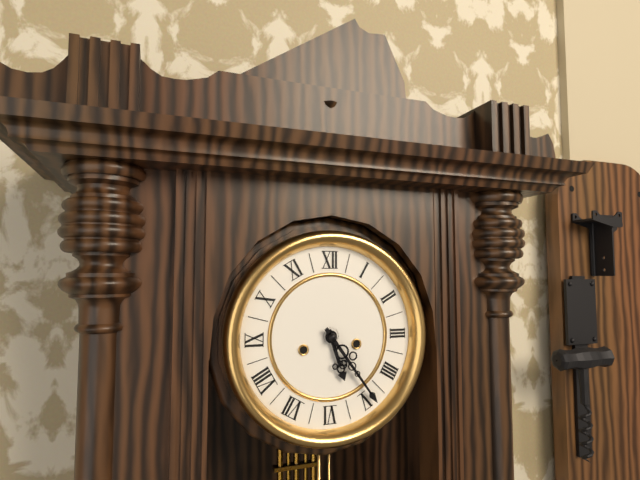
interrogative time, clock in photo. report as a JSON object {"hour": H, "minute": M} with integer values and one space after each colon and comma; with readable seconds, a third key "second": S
{"hour": 5, "minute": 24}
